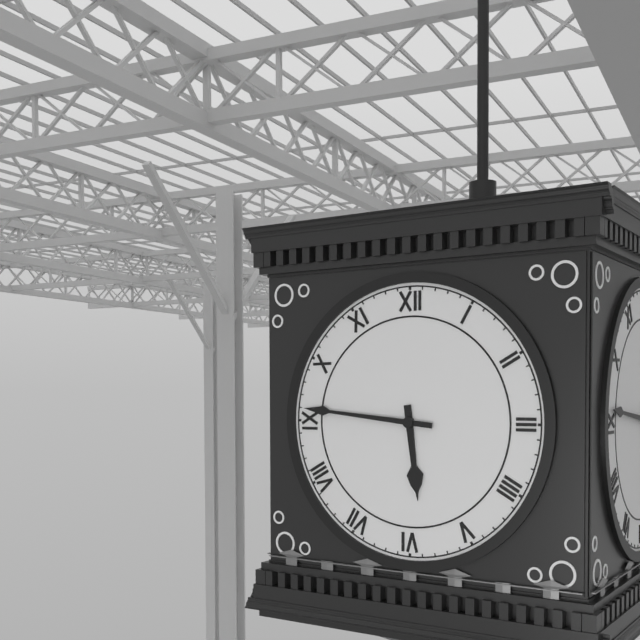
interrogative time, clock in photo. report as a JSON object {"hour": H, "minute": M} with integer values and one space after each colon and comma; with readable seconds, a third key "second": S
{"hour": 5, "minute": 46}
